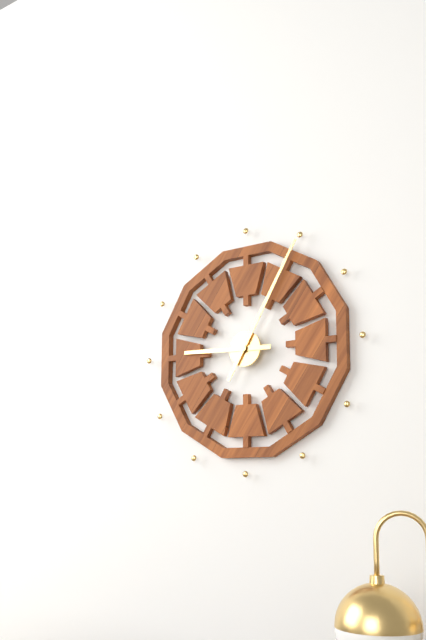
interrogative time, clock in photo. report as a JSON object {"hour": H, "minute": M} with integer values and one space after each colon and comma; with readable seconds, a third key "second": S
{"hour": 9, "minute": 5}
